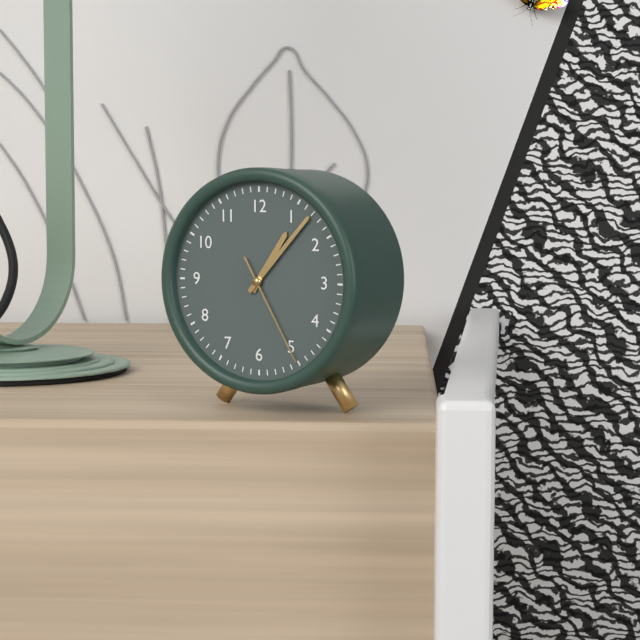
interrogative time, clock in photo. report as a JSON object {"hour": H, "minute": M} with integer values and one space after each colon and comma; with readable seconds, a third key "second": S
{"hour": 1, "minute": 7, "second": 25}
